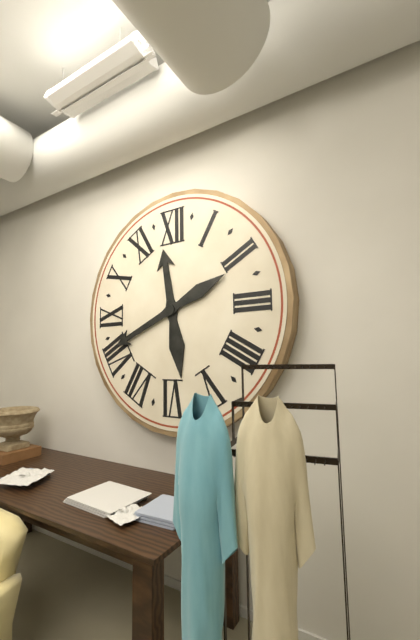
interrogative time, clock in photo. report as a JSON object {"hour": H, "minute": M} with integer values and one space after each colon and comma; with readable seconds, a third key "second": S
{"hour": 11, "minute": 41}
